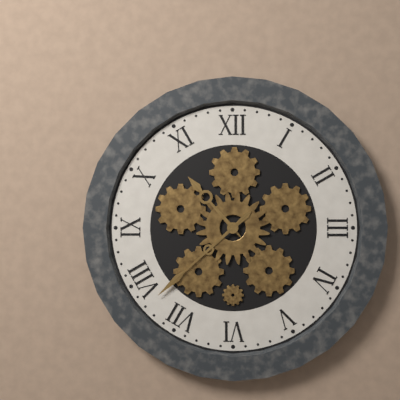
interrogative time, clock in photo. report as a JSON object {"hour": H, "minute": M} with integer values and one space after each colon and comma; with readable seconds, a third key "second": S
{"hour": 10, "minute": 38}
